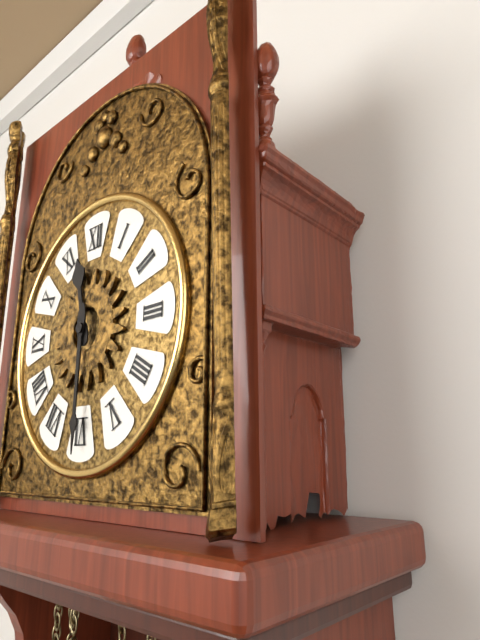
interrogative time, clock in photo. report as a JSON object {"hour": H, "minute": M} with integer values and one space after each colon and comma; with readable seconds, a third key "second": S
{"hour": 11, "minute": 30}
